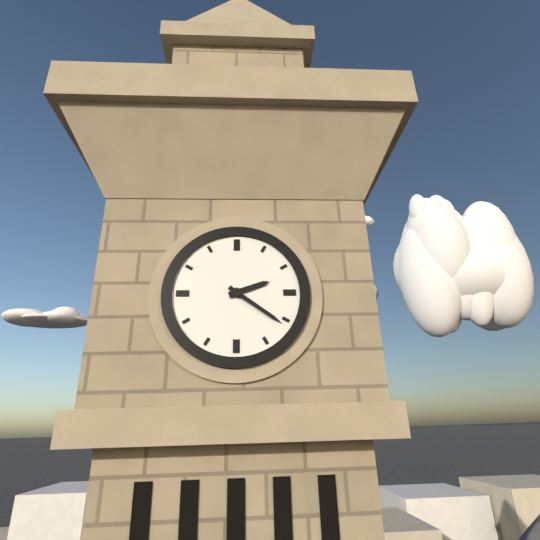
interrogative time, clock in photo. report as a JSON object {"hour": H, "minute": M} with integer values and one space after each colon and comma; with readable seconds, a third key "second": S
{"hour": 2, "minute": 21}
